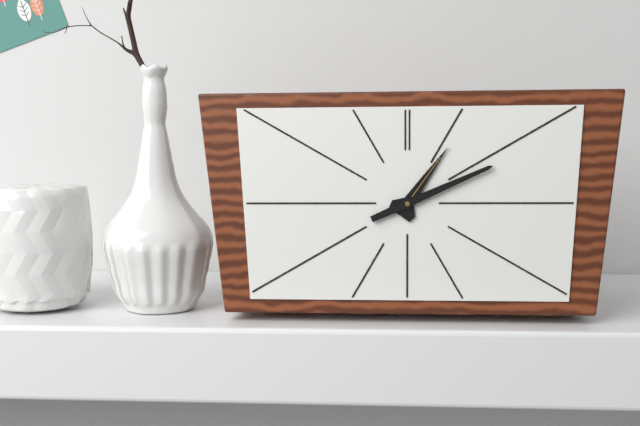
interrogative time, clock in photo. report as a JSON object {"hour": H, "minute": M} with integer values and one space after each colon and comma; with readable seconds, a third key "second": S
{"hour": 1, "minute": 11}
